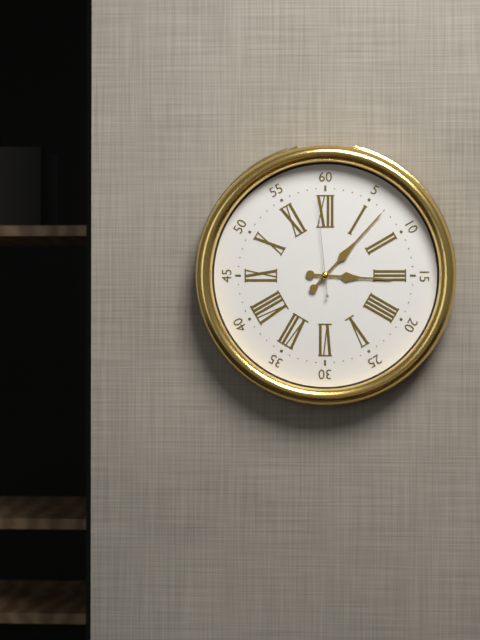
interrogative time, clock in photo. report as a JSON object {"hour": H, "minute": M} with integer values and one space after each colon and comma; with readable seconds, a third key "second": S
{"hour": 3, "minute": 7, "second": 59}
